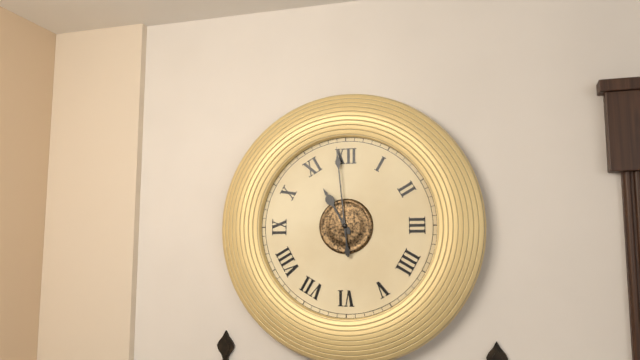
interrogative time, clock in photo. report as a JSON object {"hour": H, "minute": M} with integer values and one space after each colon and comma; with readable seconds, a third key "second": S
{"hour": 10, "minute": 59}
